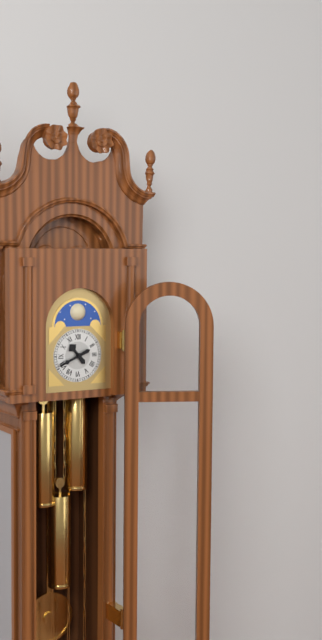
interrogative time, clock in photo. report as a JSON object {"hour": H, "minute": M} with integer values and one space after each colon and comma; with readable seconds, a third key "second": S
{"hour": 10, "minute": 41}
